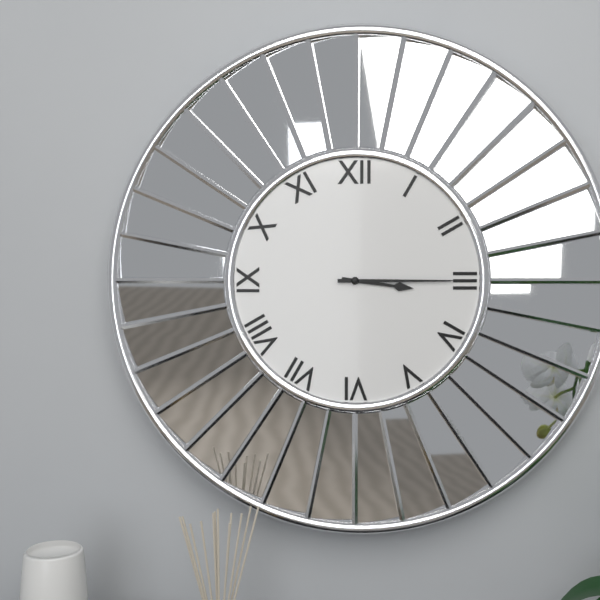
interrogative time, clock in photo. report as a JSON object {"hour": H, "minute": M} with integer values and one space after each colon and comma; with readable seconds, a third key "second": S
{"hour": 3, "minute": 15}
